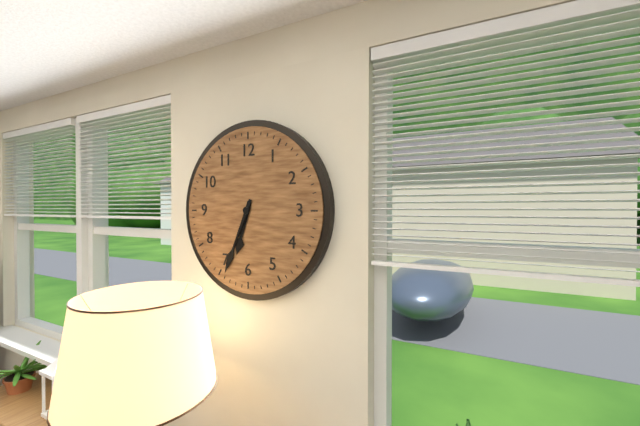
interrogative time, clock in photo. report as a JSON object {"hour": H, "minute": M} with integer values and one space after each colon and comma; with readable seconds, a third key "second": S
{"hour": 6, "minute": 34}
